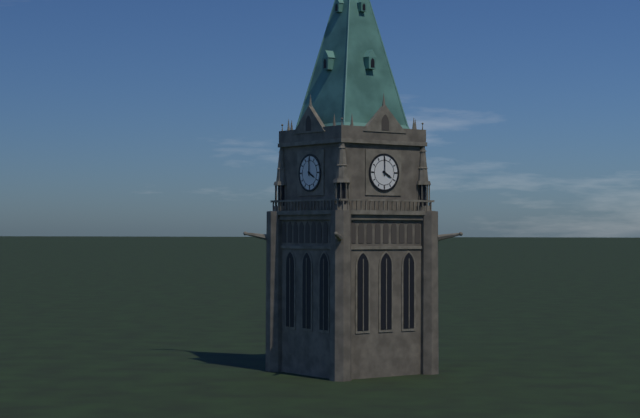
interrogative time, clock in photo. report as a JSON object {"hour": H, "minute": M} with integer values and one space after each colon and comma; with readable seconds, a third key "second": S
{"hour": 4, "minute": 0}
